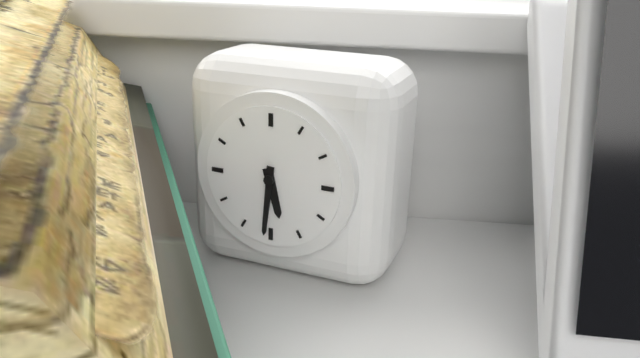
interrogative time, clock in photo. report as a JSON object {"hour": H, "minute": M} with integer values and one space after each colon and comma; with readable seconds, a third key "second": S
{"hour": 5, "minute": 31}
